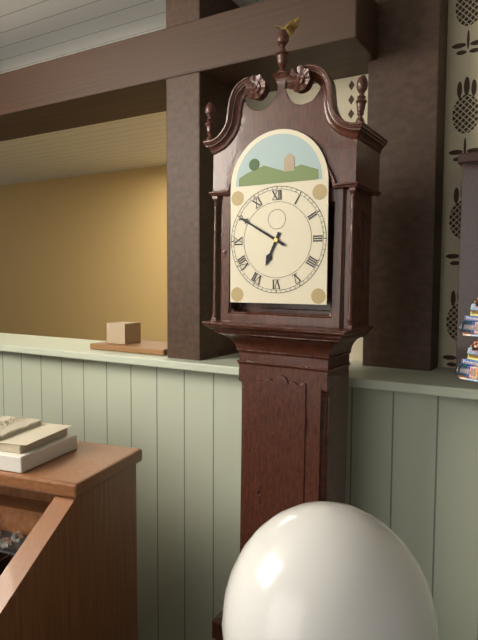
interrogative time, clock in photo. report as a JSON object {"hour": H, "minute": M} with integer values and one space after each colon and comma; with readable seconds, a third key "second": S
{"hour": 6, "minute": 50}
